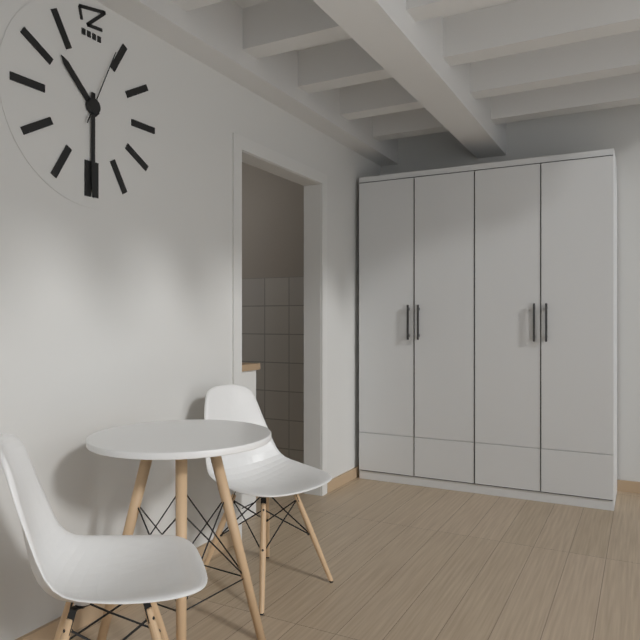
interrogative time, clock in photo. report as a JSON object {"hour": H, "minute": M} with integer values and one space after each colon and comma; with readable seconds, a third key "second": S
{"hour": 10, "minute": 30, "second": 4}
